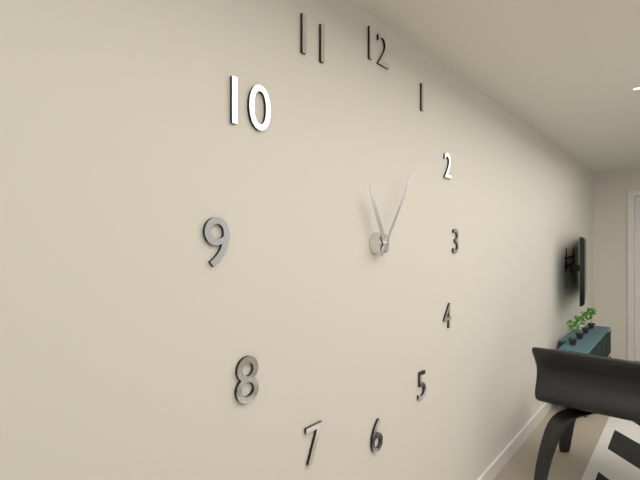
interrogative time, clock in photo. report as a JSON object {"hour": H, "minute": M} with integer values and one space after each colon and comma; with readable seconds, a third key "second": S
{"hour": 11, "minute": 6}
